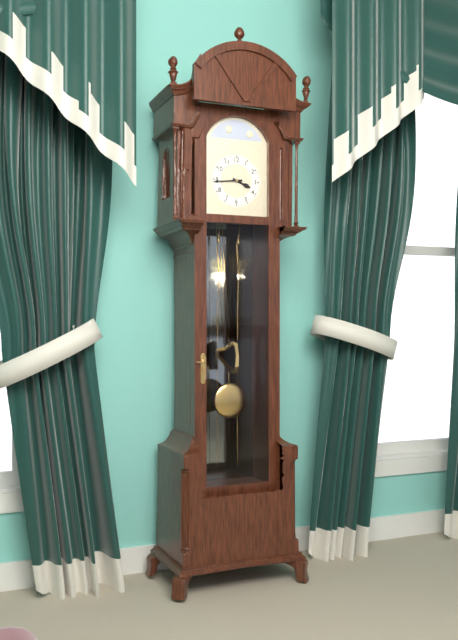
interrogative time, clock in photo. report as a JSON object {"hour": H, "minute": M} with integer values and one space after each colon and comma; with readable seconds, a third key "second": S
{"hour": 3, "minute": 44}
